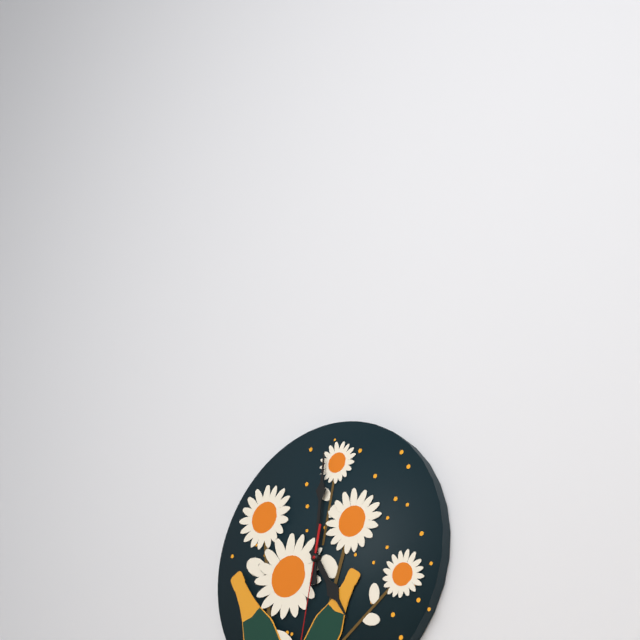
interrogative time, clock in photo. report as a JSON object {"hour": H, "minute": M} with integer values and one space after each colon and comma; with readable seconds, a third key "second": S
{"hour": 5, "minute": 1}
